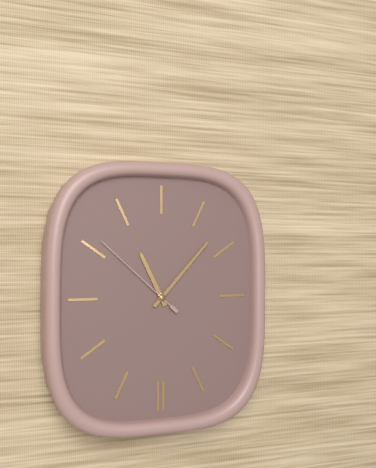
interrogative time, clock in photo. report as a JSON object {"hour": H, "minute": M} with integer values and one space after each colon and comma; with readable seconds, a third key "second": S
{"hour": 11, "minute": 7, "second": 52}
